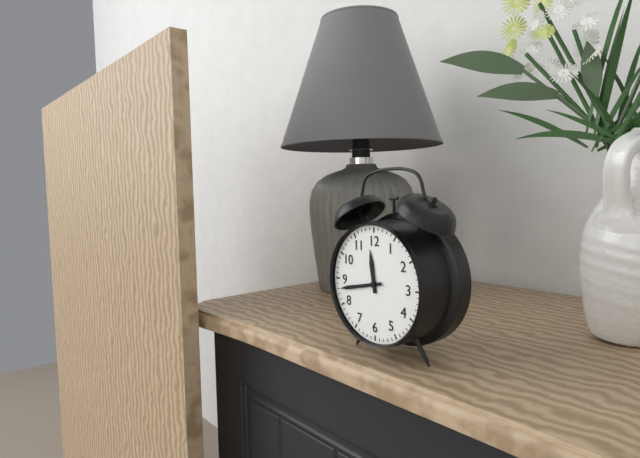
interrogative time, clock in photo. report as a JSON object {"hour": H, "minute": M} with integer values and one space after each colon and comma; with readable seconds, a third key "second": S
{"hour": 11, "minute": 43}
